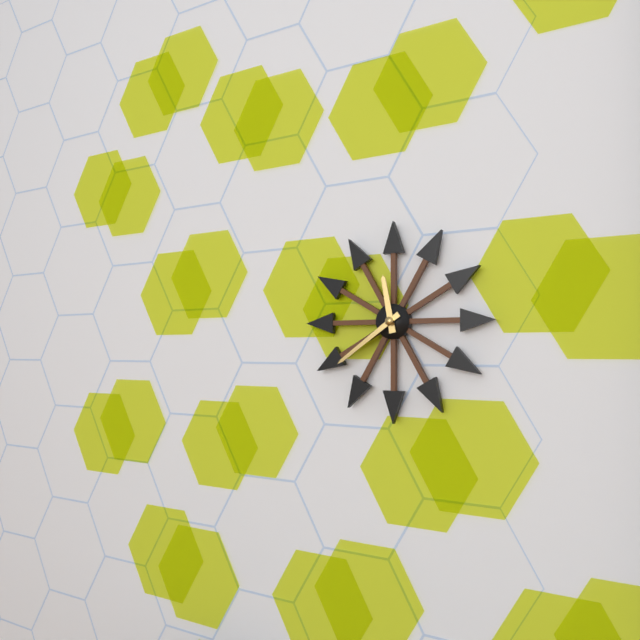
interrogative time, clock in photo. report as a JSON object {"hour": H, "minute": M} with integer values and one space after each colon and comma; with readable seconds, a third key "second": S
{"hour": 11, "minute": 39}
